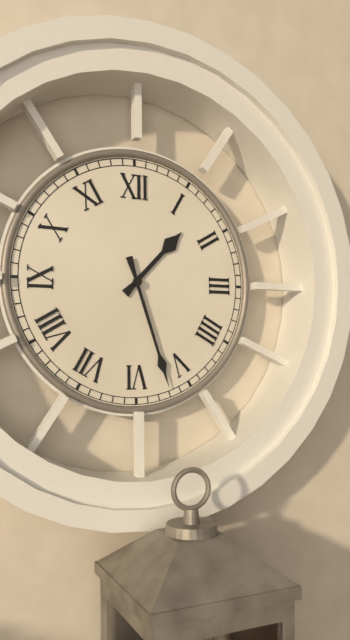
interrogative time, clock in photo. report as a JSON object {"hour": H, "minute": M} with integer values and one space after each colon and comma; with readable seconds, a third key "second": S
{"hour": 1, "minute": 27}
